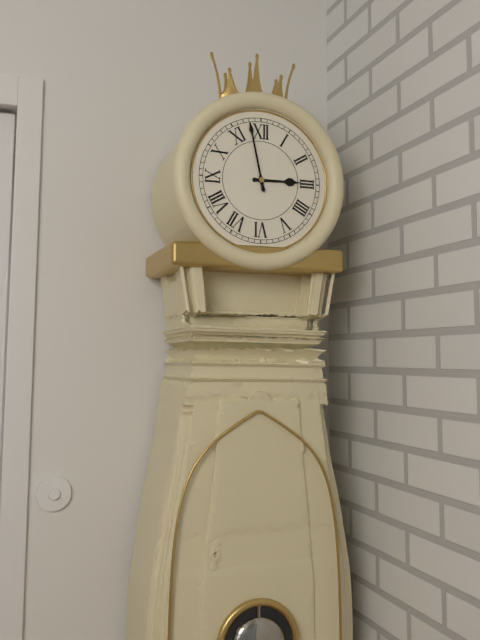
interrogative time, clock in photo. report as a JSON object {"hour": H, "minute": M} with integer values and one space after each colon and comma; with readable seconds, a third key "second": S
{"hour": 2, "minute": 58}
